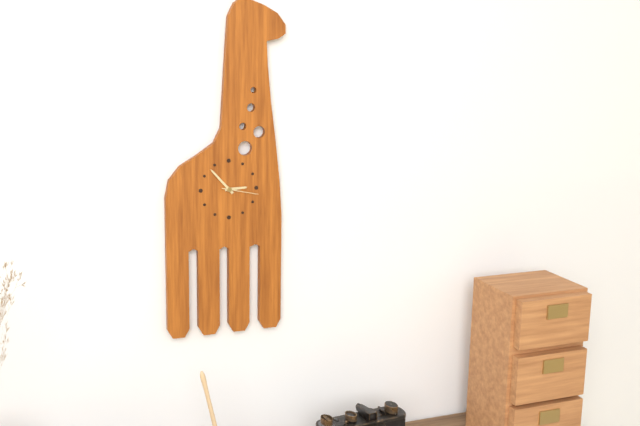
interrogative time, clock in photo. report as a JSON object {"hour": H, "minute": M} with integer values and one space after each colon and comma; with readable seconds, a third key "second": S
{"hour": 2, "minute": 53}
